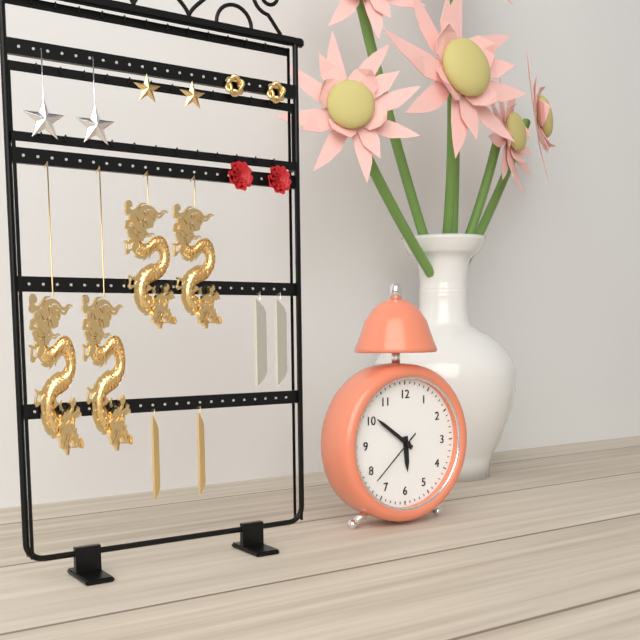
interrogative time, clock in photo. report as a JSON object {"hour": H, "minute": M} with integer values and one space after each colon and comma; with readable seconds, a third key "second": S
{"hour": 5, "minute": 51, "second": 38}
